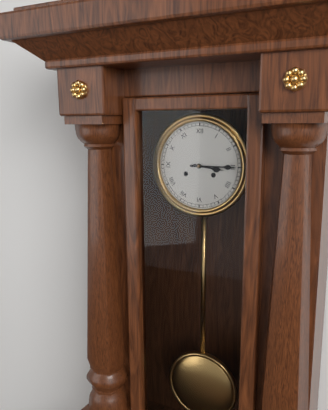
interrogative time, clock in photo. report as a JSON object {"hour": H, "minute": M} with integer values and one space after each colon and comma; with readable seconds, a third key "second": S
{"hour": 3, "minute": 15}
